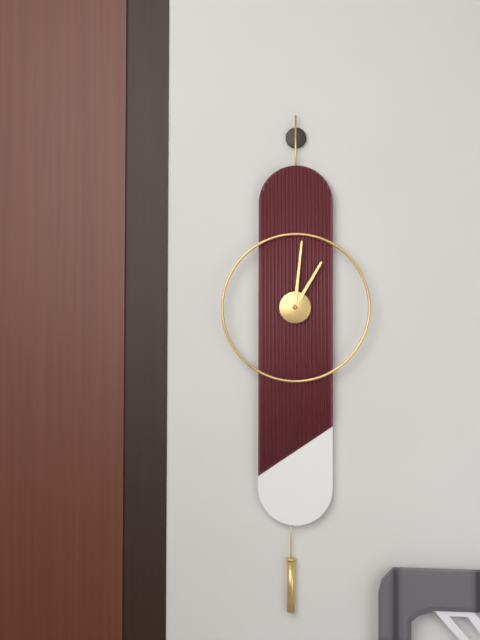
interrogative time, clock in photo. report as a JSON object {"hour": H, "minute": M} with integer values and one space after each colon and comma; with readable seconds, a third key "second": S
{"hour": 1, "minute": 1}
